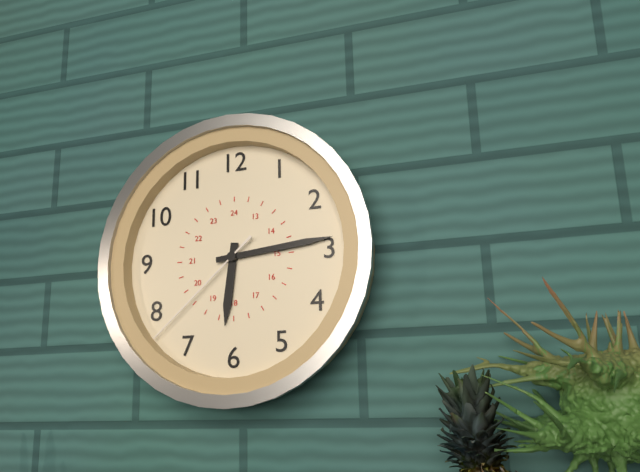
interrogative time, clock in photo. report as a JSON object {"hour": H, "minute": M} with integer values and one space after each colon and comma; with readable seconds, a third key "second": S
{"hour": 6, "minute": 14, "second": 38}
